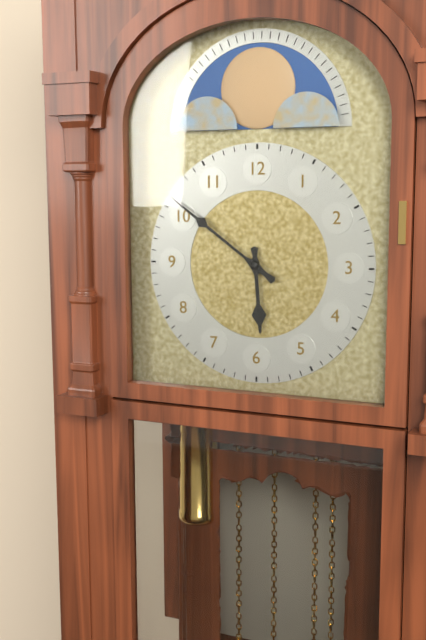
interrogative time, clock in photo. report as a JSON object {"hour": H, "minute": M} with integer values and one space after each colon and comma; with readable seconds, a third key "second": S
{"hour": 5, "minute": 51}
